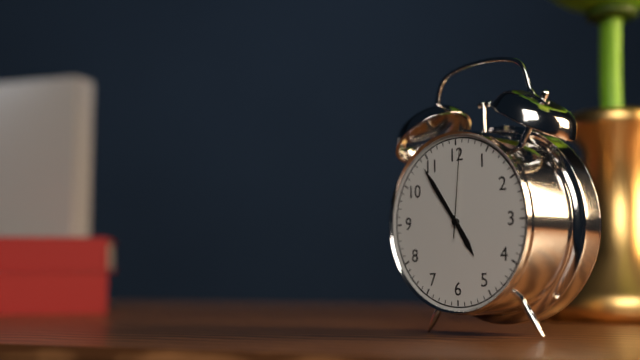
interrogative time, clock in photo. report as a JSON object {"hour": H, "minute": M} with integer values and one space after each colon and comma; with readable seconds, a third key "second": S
{"hour": 4, "minute": 54, "second": 1}
